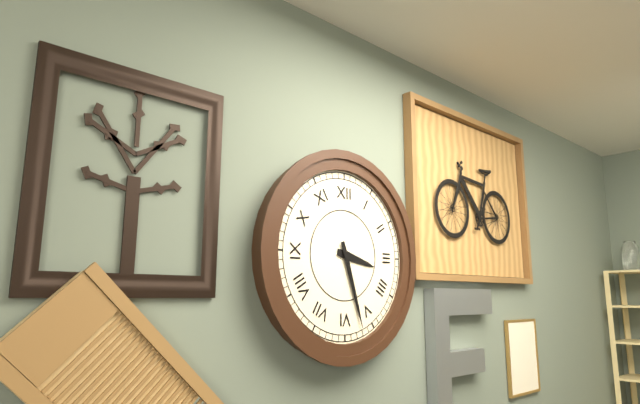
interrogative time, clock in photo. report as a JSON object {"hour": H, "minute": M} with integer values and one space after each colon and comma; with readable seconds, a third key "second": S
{"hour": 3, "minute": 27}
